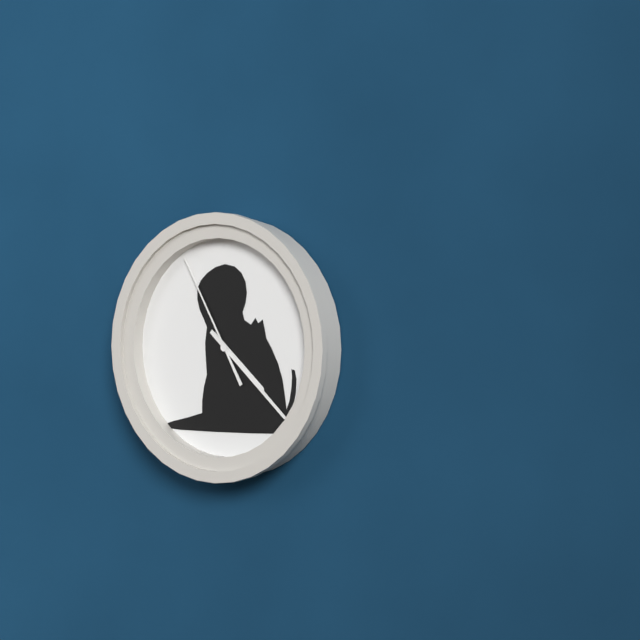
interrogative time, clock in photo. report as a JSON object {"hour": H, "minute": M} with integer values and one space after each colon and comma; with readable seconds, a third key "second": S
{"hour": 4, "minute": 22, "second": 55}
